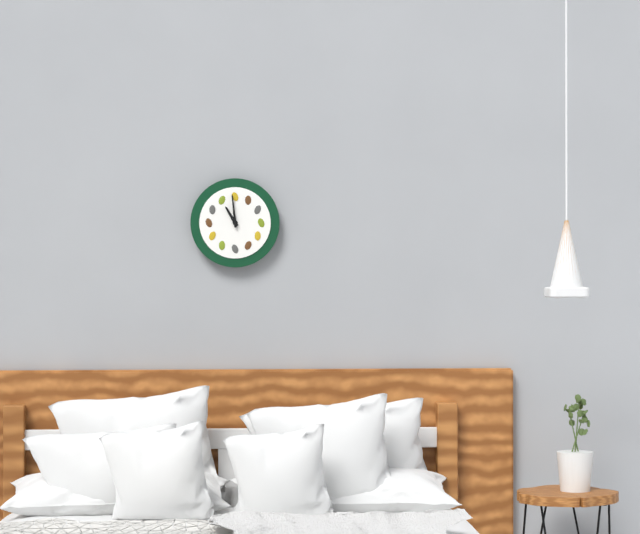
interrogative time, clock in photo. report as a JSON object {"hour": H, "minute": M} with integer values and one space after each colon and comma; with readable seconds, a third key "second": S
{"hour": 10, "minute": 59}
